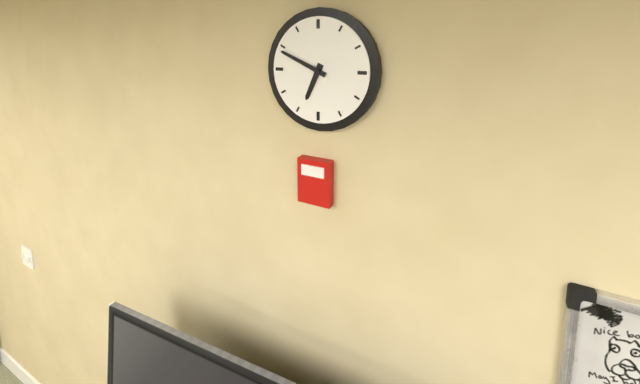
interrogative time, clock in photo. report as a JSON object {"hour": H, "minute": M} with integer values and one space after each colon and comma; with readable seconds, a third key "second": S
{"hour": 6, "minute": 49}
